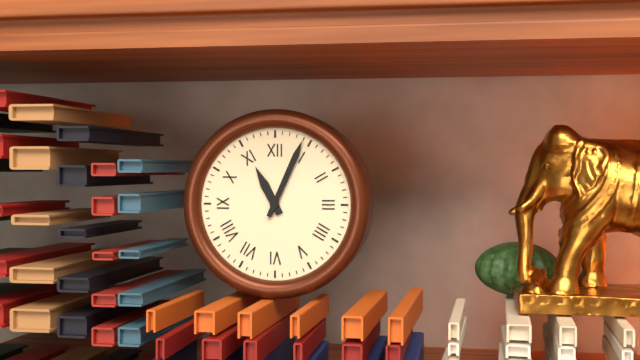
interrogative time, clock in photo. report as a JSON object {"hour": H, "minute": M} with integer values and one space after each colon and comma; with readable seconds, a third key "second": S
{"hour": 11, "minute": 4}
